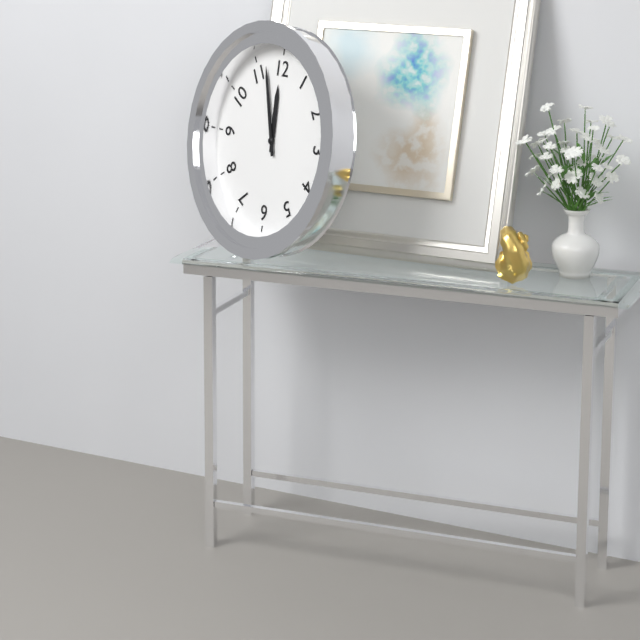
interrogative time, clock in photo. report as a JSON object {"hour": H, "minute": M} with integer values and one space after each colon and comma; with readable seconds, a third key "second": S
{"hour": 11, "minute": 57}
